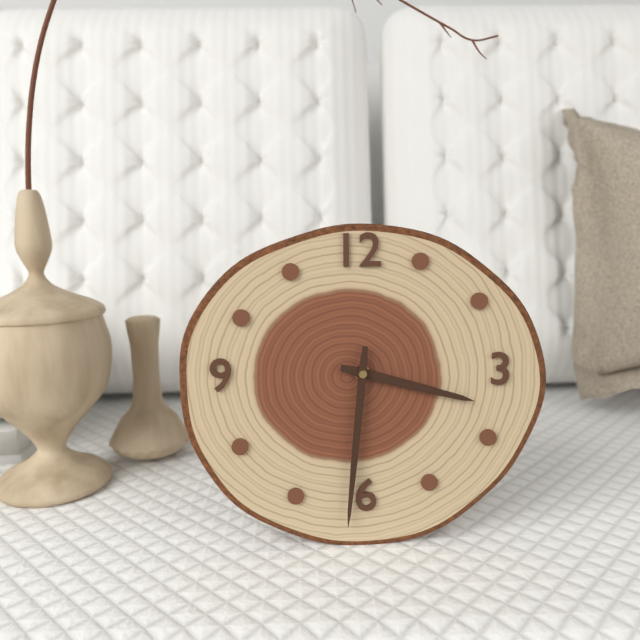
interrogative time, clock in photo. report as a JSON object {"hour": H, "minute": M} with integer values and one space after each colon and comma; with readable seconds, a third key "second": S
{"hour": 3, "minute": 31}
